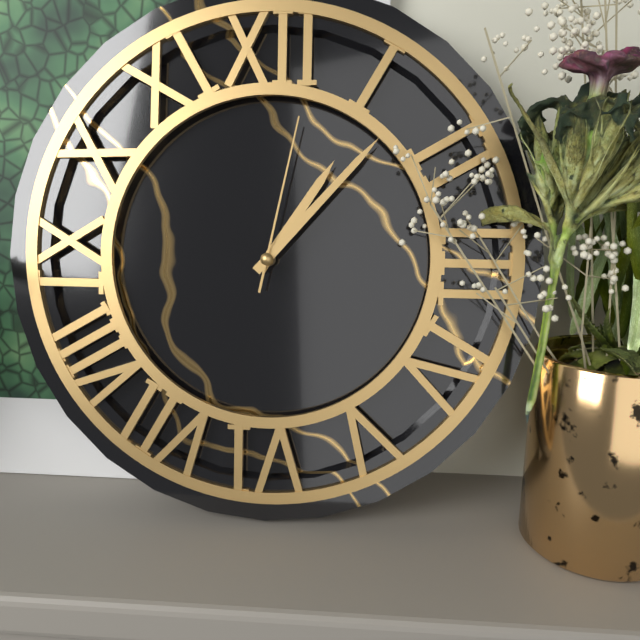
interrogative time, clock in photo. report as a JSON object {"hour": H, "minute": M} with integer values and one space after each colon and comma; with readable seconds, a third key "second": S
{"hour": 1, "minute": 7, "second": 2}
